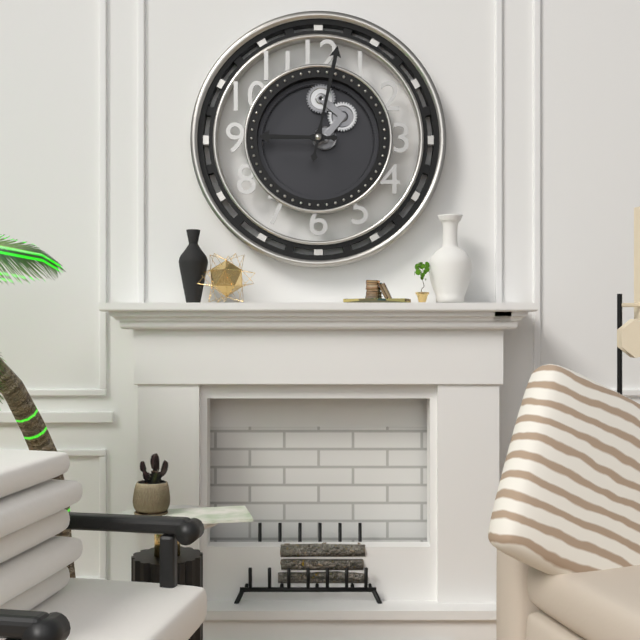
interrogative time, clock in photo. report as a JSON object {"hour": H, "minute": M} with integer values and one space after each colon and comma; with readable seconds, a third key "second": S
{"hour": 9, "minute": 2}
